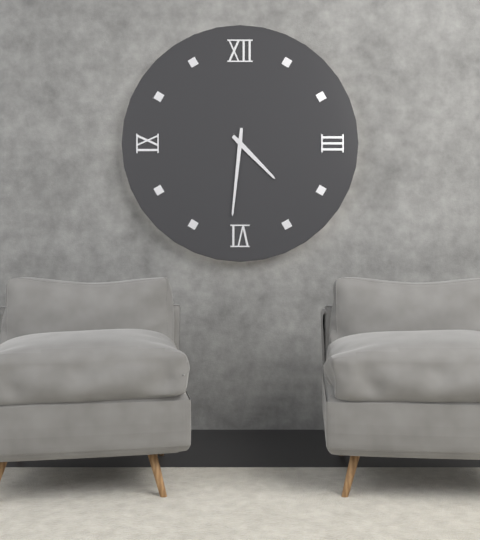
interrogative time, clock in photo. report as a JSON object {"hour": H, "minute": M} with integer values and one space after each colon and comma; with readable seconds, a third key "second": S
{"hour": 4, "minute": 31}
